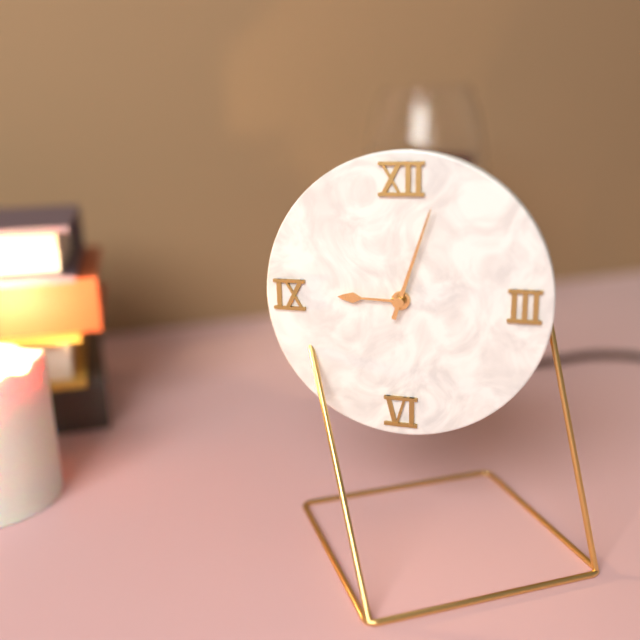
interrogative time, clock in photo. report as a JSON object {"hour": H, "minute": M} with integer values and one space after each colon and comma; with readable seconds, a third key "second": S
{"hour": 9, "minute": 3}
